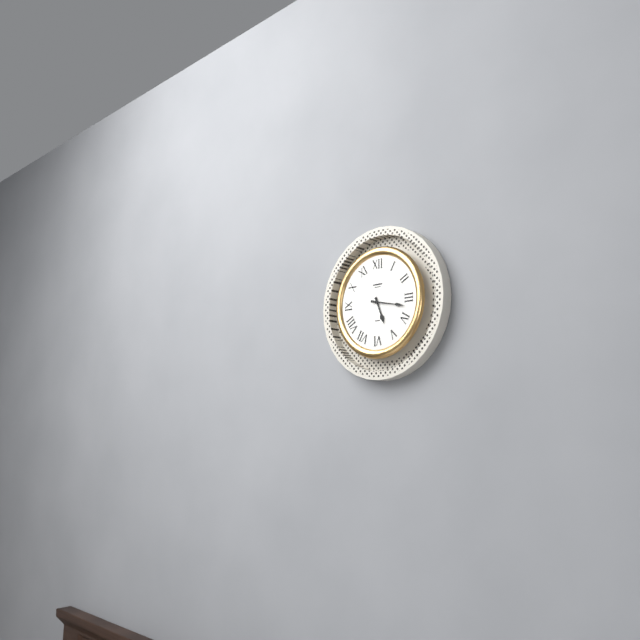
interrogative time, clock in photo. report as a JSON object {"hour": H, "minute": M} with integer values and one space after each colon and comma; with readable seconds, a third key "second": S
{"hour": 5, "minute": 17}
